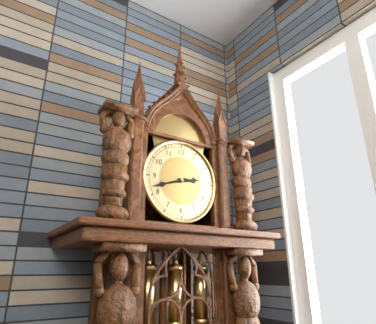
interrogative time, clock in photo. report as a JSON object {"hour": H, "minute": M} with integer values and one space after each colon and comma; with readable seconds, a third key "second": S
{"hour": 2, "minute": 42}
